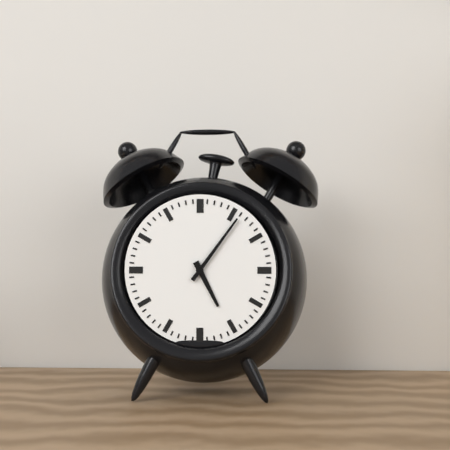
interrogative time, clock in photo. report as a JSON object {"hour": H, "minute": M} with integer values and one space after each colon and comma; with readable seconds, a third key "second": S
{"hour": 5, "minute": 6}
